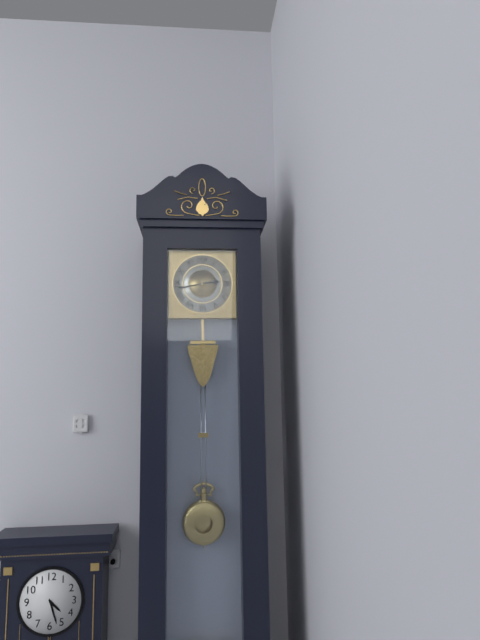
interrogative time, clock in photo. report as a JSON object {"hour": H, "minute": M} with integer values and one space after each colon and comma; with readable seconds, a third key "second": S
{"hour": 2, "minute": 43}
